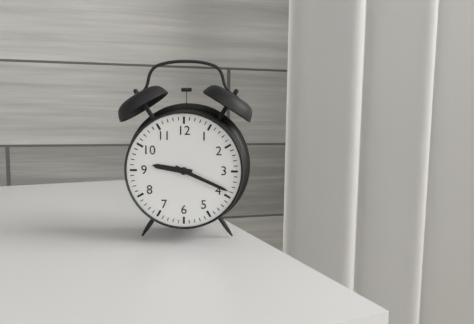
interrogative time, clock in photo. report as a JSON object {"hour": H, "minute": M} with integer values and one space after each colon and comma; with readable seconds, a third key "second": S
{"hour": 9, "minute": 19}
